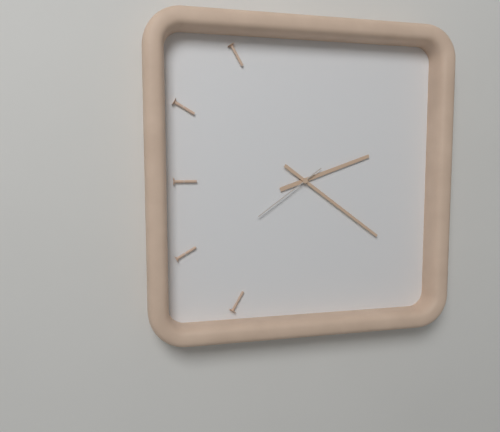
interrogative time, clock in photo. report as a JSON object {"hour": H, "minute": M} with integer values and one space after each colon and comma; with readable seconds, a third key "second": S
{"hour": 2, "minute": 21, "second": 39}
